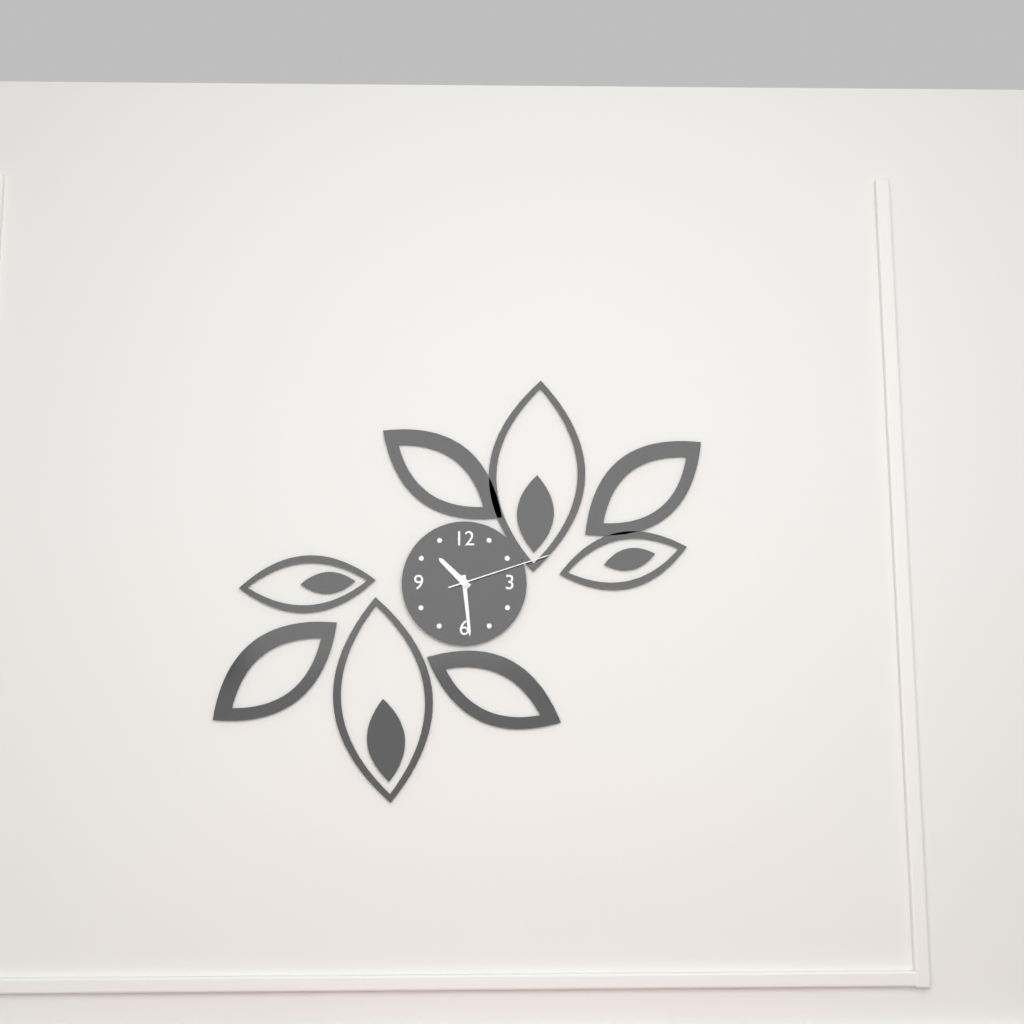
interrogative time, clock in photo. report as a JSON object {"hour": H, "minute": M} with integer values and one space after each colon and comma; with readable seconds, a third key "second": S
{"hour": 10, "minute": 29, "second": 12}
